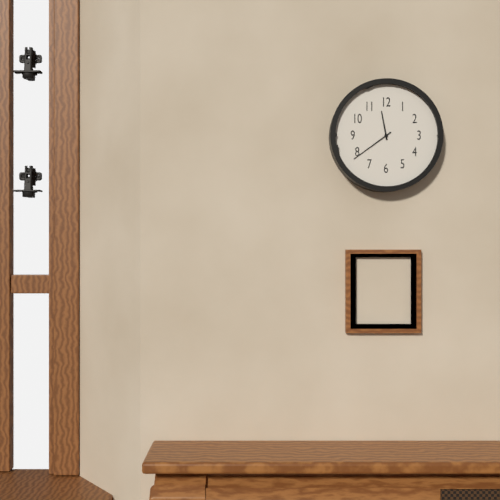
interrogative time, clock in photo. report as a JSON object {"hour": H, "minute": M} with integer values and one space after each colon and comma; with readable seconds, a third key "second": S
{"hour": 11, "minute": 39}
